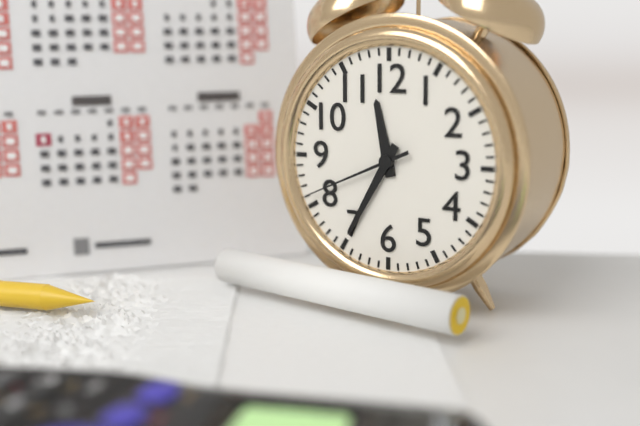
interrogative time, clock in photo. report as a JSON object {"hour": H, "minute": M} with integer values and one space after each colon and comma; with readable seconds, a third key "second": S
{"hour": 11, "minute": 35, "second": 41}
